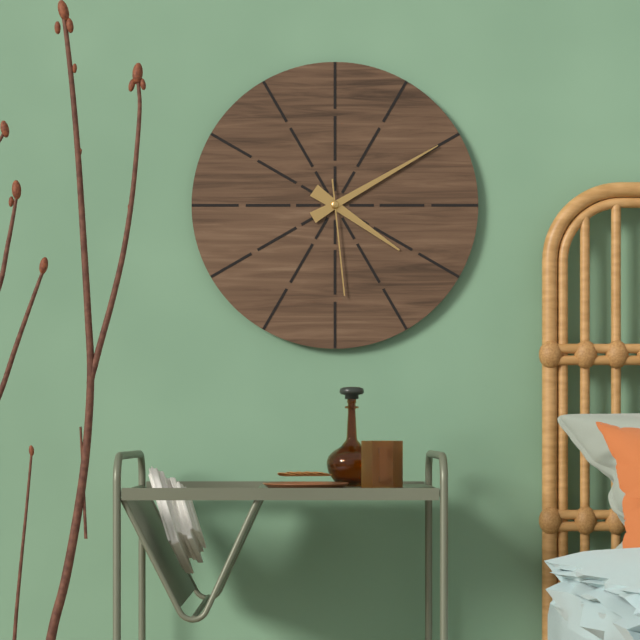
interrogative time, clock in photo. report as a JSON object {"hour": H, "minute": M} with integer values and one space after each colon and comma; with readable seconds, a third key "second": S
{"hour": 4, "minute": 10, "second": 29}
